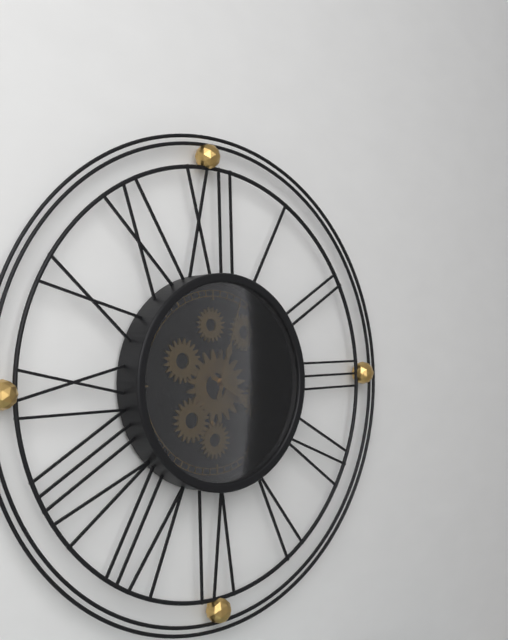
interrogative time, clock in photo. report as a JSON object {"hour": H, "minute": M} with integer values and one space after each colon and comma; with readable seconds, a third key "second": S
{"hour": 4, "minute": 3}
